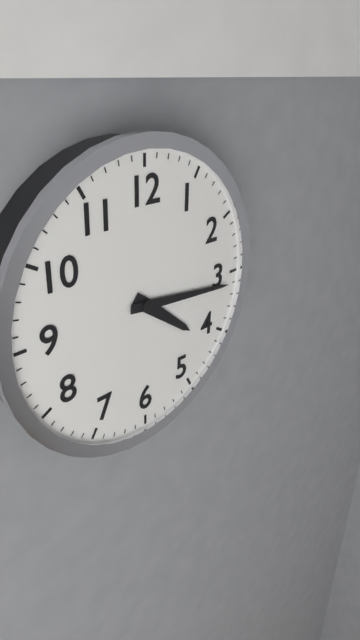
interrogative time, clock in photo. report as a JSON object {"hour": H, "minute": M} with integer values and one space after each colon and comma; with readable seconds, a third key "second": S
{"hour": 4, "minute": 16}
